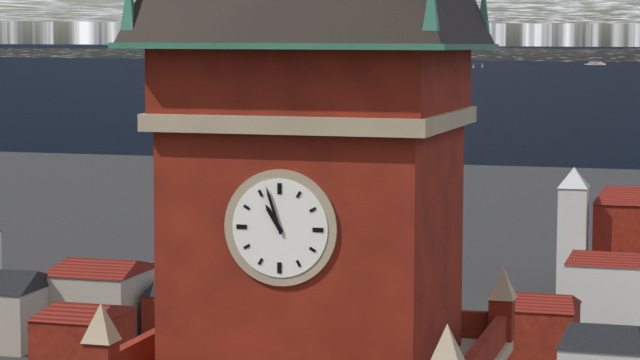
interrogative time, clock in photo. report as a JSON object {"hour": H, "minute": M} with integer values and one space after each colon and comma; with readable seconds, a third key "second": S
{"hour": 10, "minute": 57}
